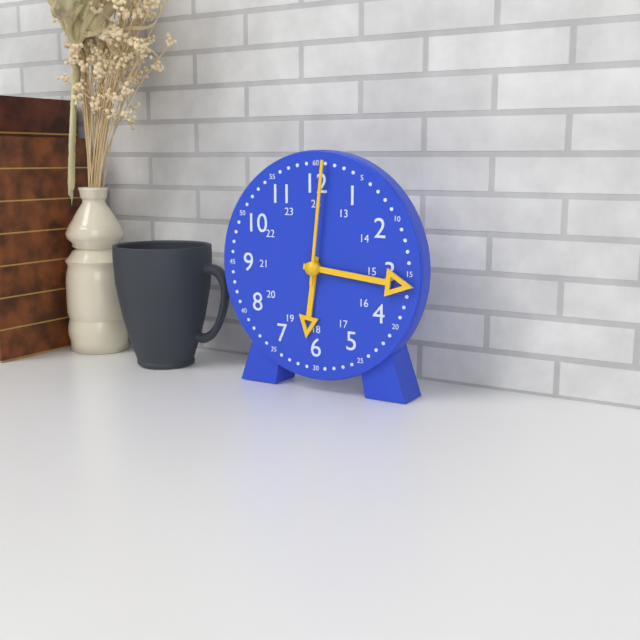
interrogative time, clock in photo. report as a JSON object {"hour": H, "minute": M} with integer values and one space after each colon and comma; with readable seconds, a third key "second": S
{"hour": 6, "minute": 16, "second": 1}
